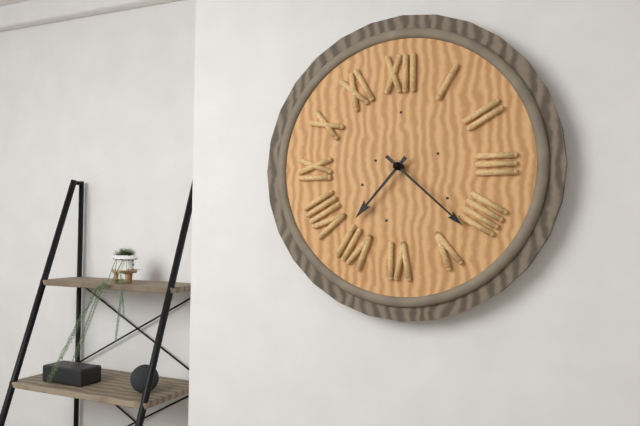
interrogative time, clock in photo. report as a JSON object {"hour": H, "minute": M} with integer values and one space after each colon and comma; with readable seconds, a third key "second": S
{"hour": 7, "minute": 22}
